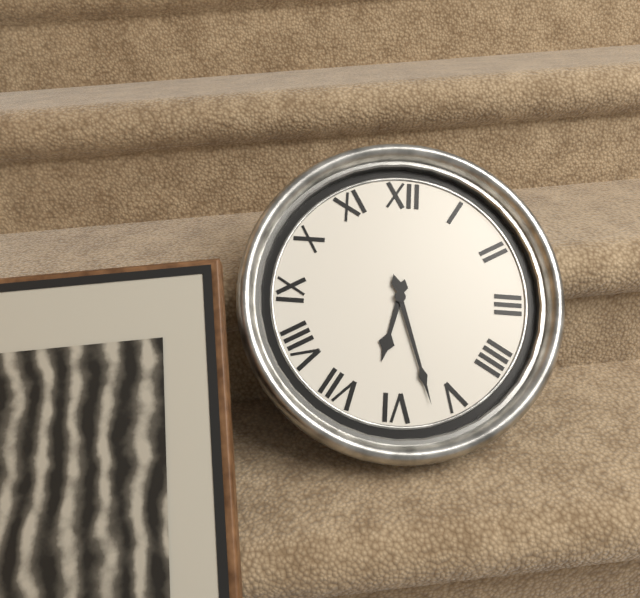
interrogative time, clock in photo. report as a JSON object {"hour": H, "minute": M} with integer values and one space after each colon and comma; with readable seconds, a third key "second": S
{"hour": 6, "minute": 27}
